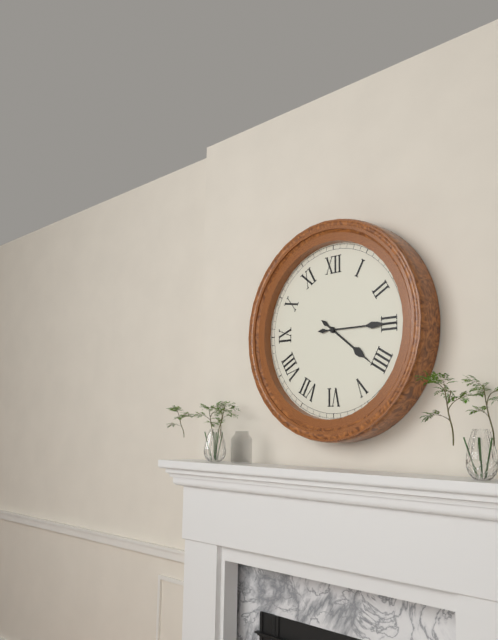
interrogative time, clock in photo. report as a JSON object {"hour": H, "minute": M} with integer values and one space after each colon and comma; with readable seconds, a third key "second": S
{"hour": 4, "minute": 15}
